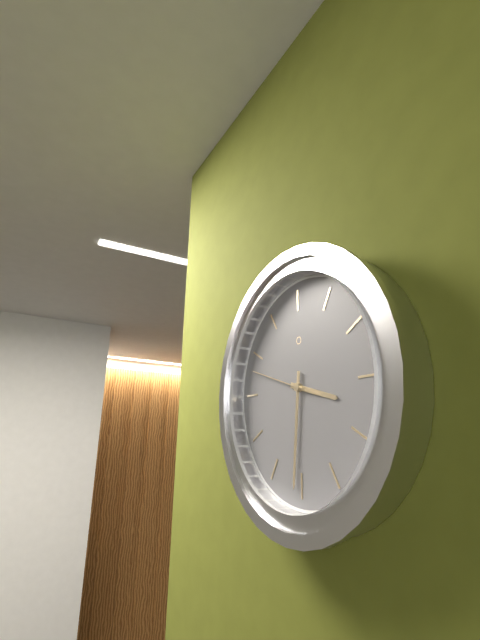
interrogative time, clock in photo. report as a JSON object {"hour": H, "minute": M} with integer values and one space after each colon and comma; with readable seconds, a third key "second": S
{"hour": 3, "minute": 31, "second": 48}
